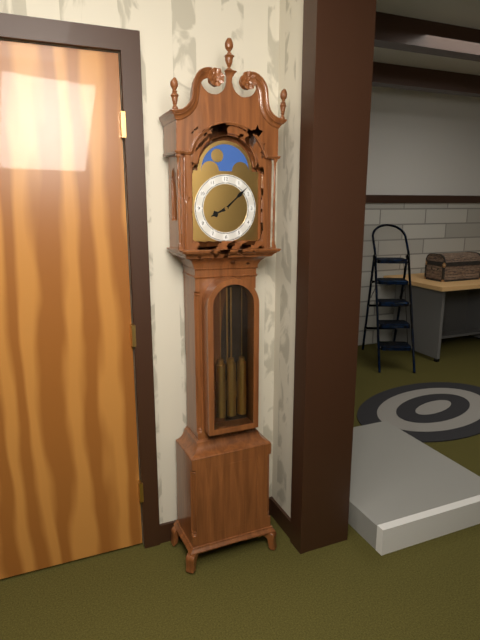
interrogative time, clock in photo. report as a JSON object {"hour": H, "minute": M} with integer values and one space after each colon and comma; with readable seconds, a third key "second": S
{"hour": 8, "minute": 8}
